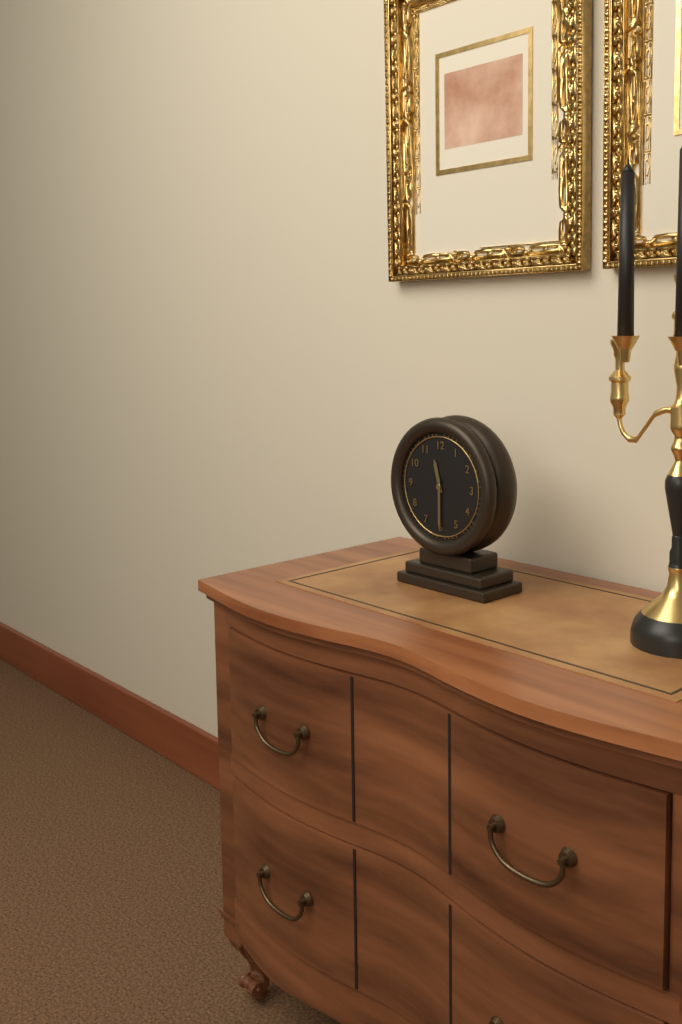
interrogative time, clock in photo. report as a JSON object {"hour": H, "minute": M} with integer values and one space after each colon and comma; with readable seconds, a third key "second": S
{"hour": 11, "minute": 30}
